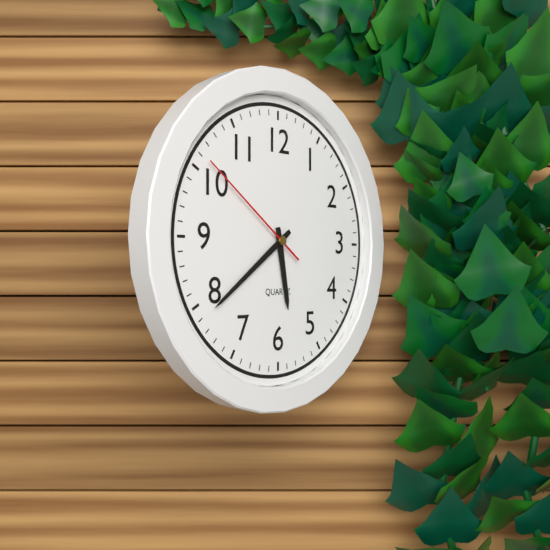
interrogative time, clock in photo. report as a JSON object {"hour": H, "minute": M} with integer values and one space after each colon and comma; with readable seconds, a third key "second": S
{"hour": 5, "minute": 39, "second": 51}
